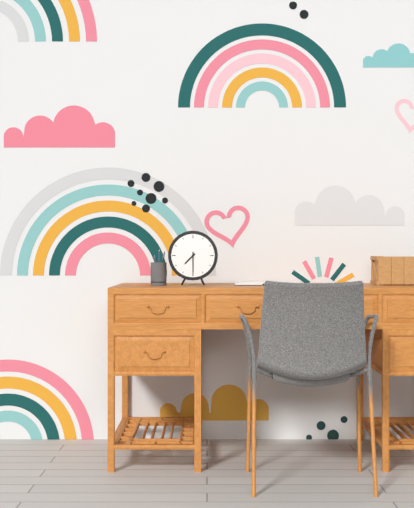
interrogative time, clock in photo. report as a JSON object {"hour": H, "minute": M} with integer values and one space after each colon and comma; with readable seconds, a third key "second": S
{"hour": 7, "minute": 30}
